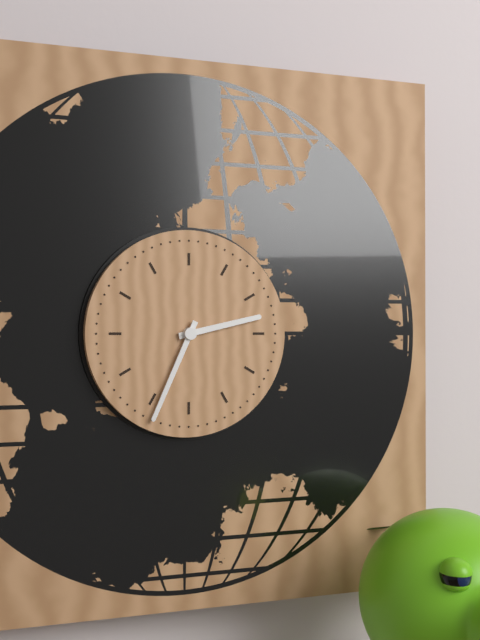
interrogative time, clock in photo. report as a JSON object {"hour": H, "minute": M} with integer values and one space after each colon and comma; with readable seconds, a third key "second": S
{"hour": 2, "minute": 34}
